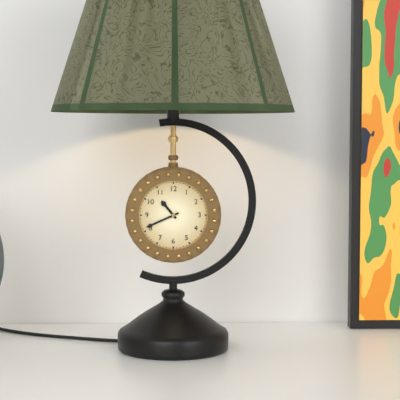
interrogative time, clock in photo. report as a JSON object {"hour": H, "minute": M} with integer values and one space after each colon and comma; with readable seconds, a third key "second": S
{"hour": 10, "minute": 41}
